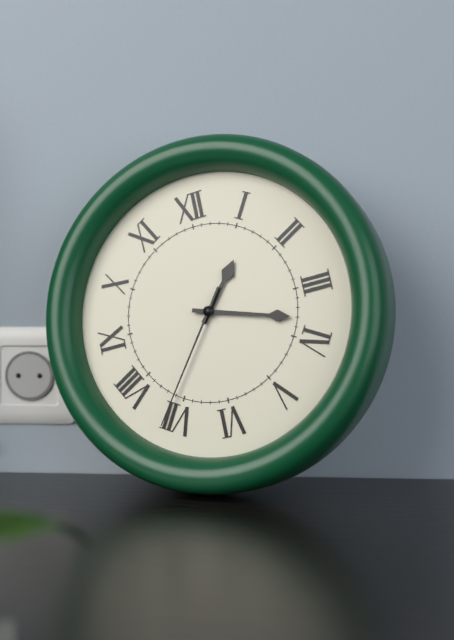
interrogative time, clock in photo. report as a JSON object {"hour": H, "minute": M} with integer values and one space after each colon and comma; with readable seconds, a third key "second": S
{"hour": 1, "minute": 18, "second": 36}
